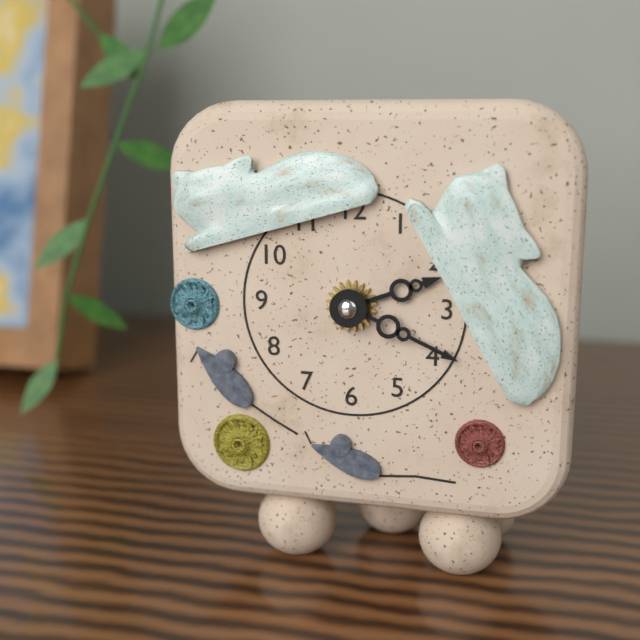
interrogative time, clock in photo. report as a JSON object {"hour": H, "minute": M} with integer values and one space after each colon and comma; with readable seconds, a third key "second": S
{"hour": 2, "minute": 19}
